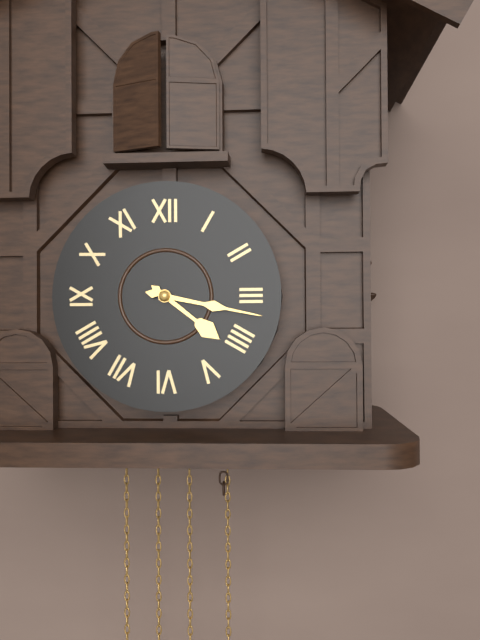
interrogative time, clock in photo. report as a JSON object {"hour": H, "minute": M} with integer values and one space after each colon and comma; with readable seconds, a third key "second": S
{"hour": 4, "minute": 17}
